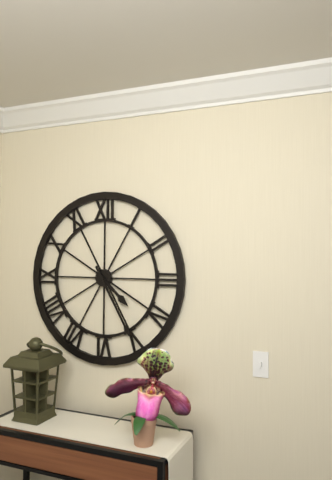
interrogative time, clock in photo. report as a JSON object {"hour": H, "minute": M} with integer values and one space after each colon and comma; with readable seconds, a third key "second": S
{"hour": 4, "minute": 25}
